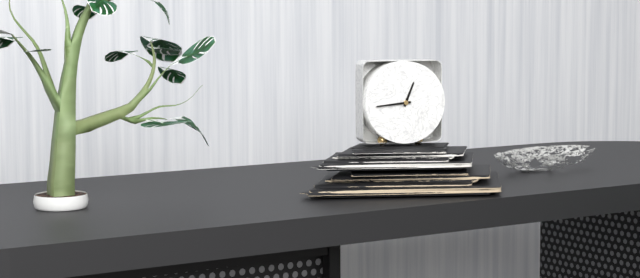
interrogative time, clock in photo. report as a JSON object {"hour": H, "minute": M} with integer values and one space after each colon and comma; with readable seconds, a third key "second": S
{"hour": 12, "minute": 44}
